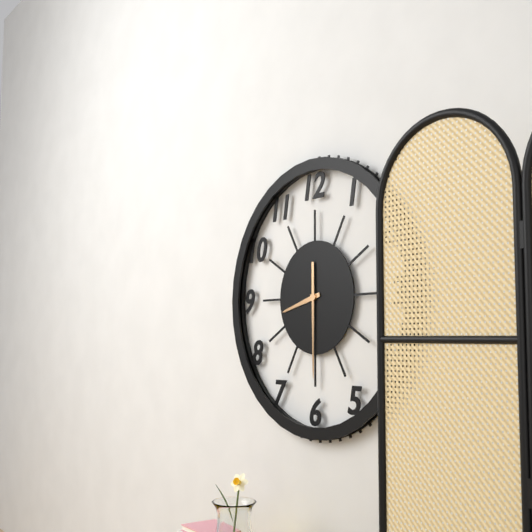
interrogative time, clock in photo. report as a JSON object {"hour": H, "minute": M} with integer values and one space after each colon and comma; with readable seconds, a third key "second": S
{"hour": 8, "minute": 30}
